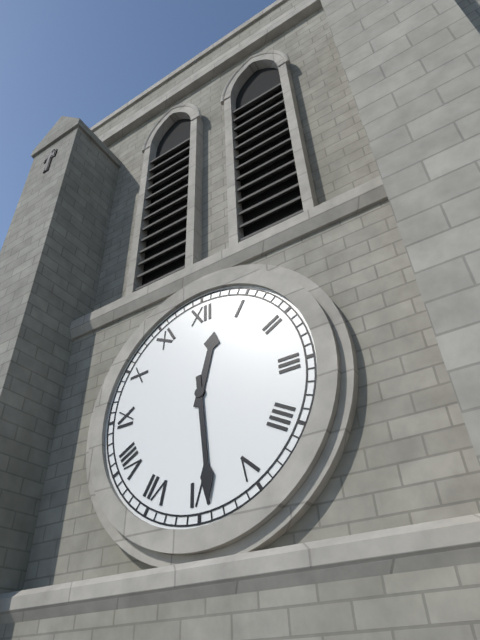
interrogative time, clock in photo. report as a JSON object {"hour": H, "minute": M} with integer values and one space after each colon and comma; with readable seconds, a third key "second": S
{"hour": 12, "minute": 29}
